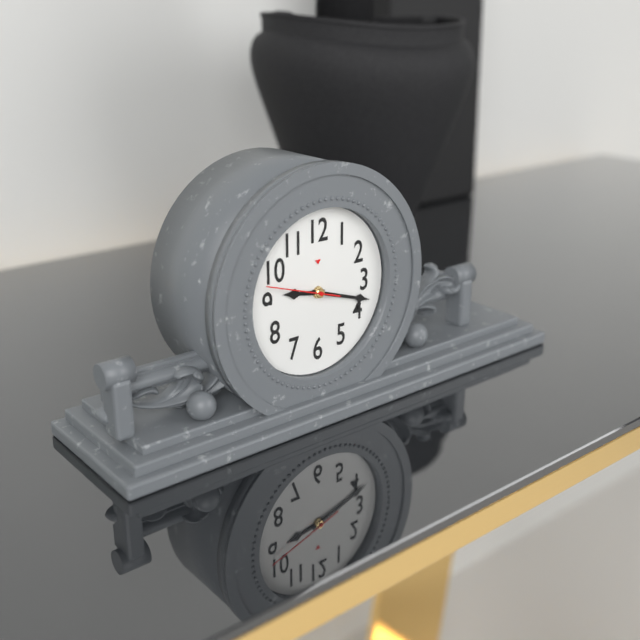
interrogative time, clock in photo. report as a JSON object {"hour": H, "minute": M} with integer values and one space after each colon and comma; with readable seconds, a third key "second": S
{"hour": 9, "minute": 18, "second": 48}
